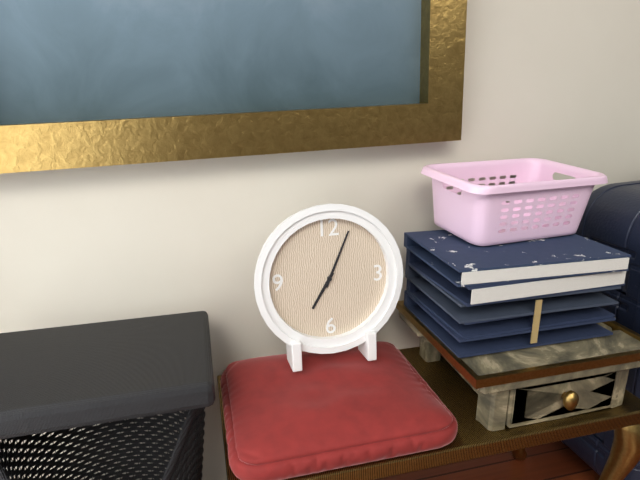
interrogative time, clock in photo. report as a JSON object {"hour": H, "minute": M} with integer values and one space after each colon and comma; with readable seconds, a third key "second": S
{"hour": 7, "minute": 4}
